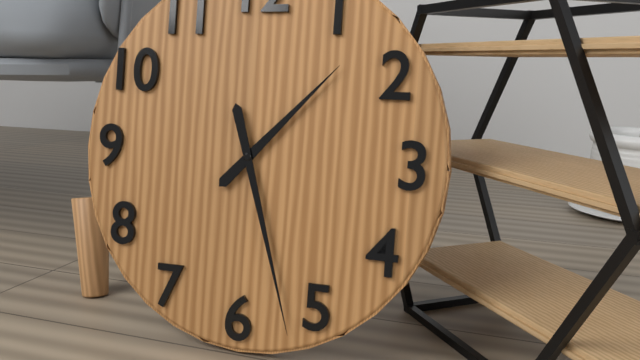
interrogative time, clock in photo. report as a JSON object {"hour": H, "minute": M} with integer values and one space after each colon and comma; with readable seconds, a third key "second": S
{"hour": 1, "minute": 27}
